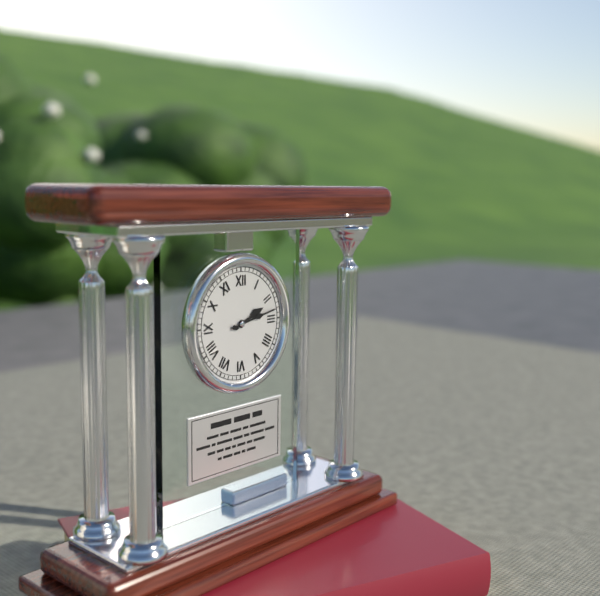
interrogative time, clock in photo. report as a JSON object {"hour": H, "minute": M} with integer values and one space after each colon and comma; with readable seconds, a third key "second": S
{"hour": 2, "minute": 13}
